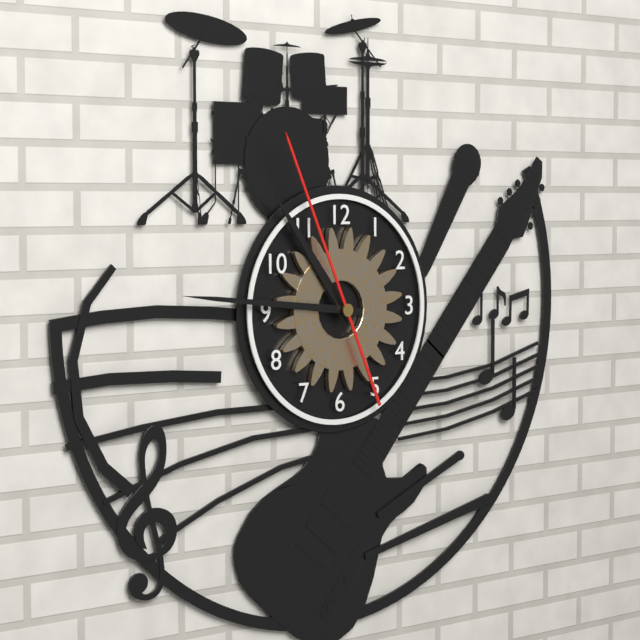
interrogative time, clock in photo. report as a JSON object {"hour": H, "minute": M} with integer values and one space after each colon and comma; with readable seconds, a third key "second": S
{"hour": 10, "minute": 46, "second": 56}
